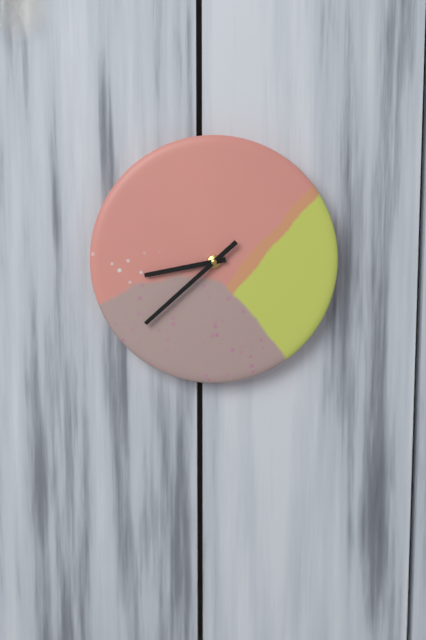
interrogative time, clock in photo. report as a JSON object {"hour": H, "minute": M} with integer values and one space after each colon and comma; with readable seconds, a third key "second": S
{"hour": 8, "minute": 38}
